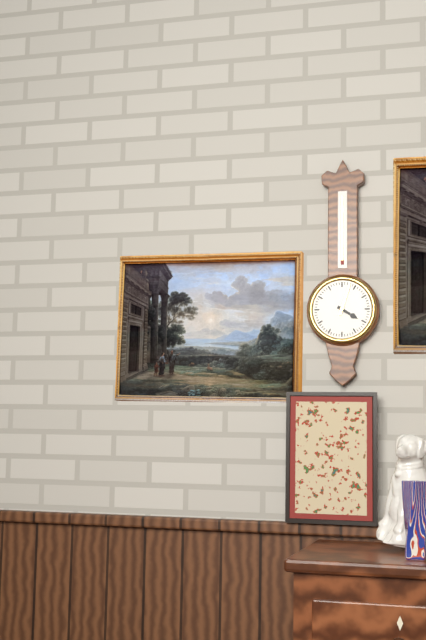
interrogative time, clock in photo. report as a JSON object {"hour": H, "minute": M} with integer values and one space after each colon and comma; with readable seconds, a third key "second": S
{"hour": 4, "minute": 3}
